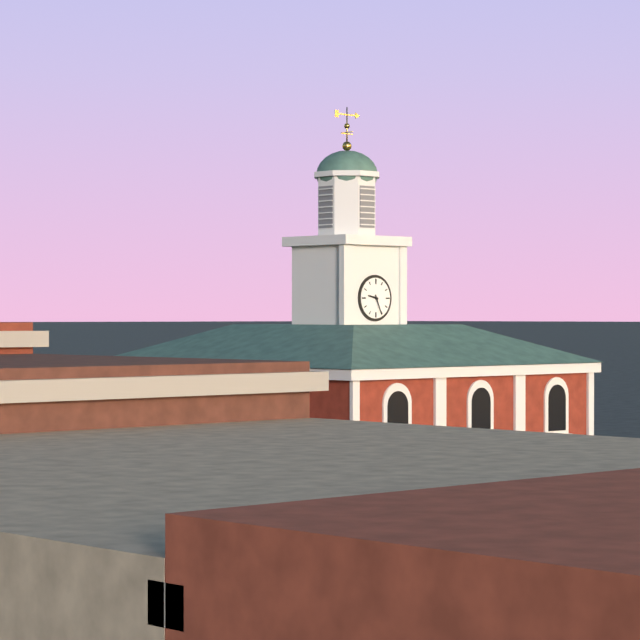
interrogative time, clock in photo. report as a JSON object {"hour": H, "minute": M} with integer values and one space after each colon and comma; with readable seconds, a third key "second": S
{"hour": 9, "minute": 26}
